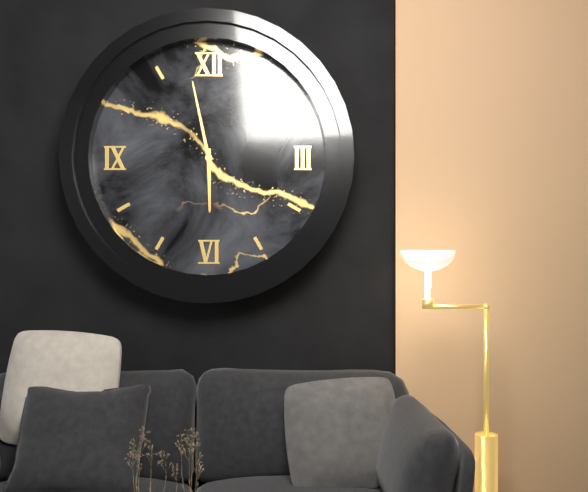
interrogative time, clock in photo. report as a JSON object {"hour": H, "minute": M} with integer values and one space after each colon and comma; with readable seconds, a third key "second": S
{"hour": 5, "minute": 58}
